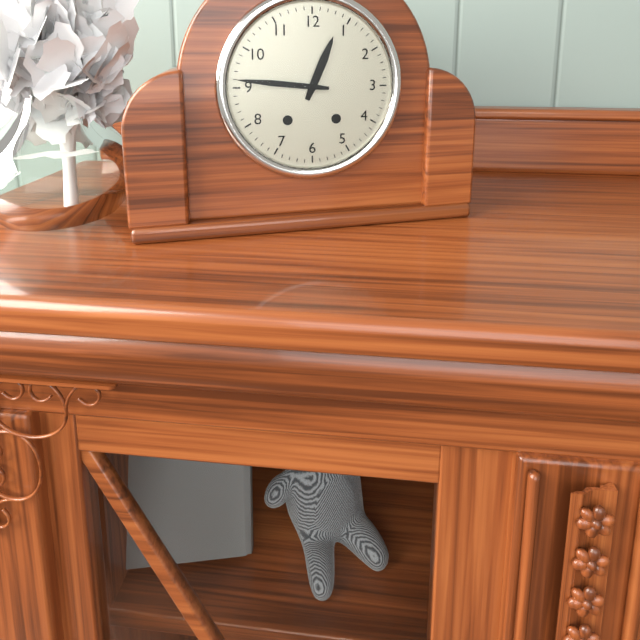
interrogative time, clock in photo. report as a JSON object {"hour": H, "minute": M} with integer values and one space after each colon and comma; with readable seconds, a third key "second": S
{"hour": 12, "minute": 46}
